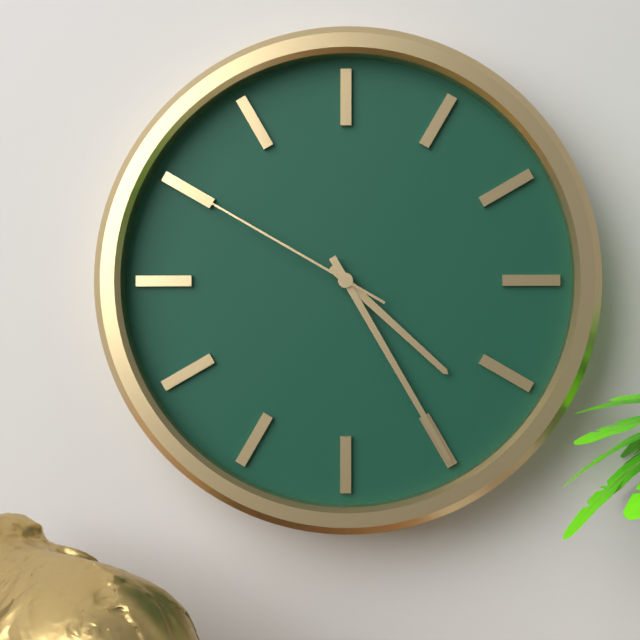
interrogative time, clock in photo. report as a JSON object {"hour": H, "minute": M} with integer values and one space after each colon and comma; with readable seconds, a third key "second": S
{"hour": 4, "minute": 25, "second": 50}
